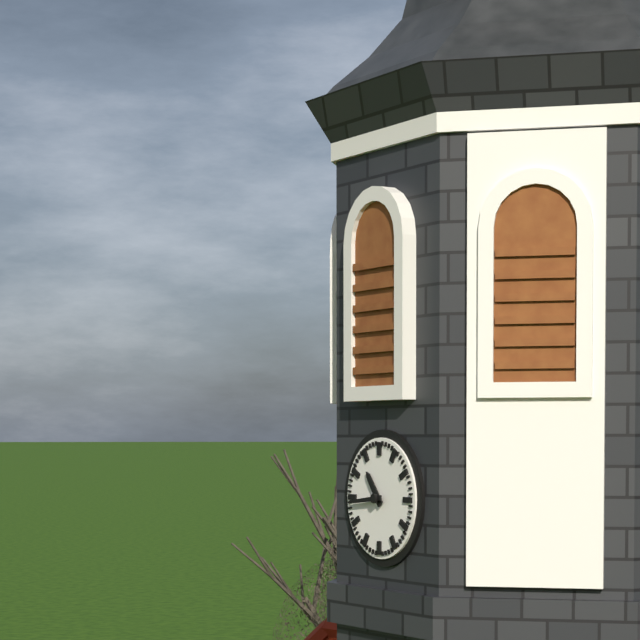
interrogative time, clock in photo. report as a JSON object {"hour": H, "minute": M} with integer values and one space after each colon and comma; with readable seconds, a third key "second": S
{"hour": 10, "minute": 44}
